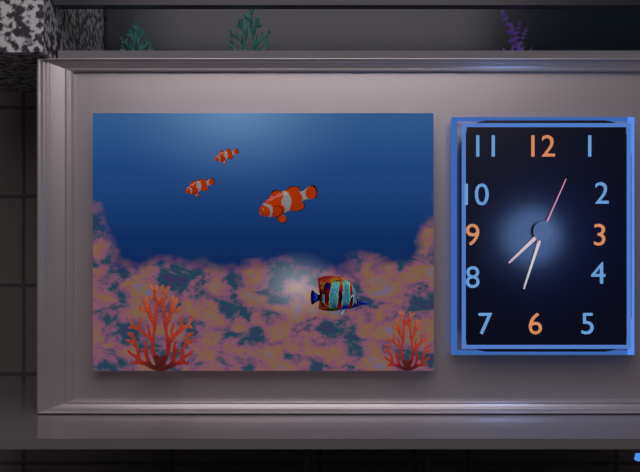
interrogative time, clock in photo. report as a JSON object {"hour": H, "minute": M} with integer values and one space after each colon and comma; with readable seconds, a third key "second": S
{"hour": 7, "minute": 33, "second": 4}
